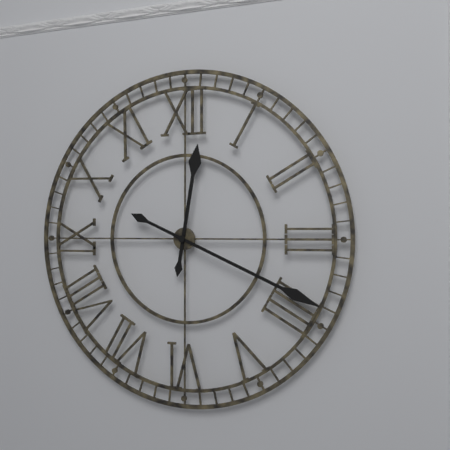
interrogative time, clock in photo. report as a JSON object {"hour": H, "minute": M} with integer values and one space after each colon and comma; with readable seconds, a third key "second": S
{"hour": 12, "minute": 19}
